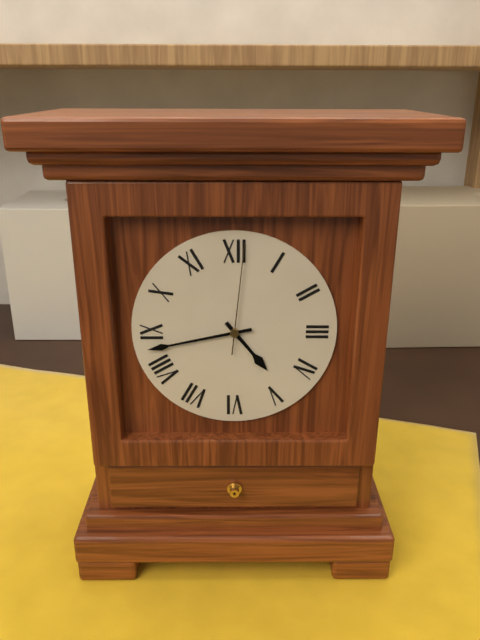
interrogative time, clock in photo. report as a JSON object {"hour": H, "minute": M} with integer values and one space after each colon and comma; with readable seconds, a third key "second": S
{"hour": 4, "minute": 43, "second": 1}
